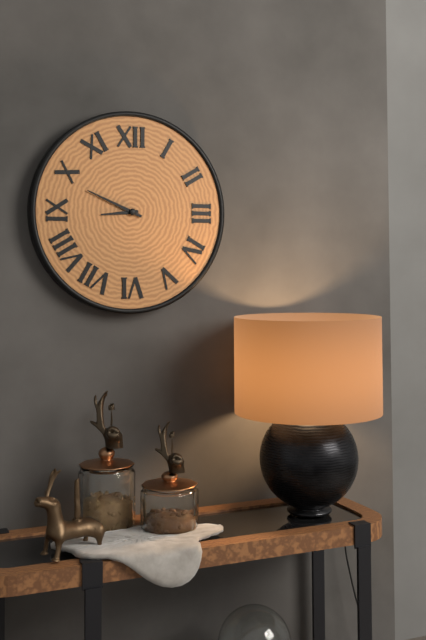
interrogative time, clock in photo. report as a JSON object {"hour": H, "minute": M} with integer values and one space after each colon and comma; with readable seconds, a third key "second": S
{"hour": 8, "minute": 49}
